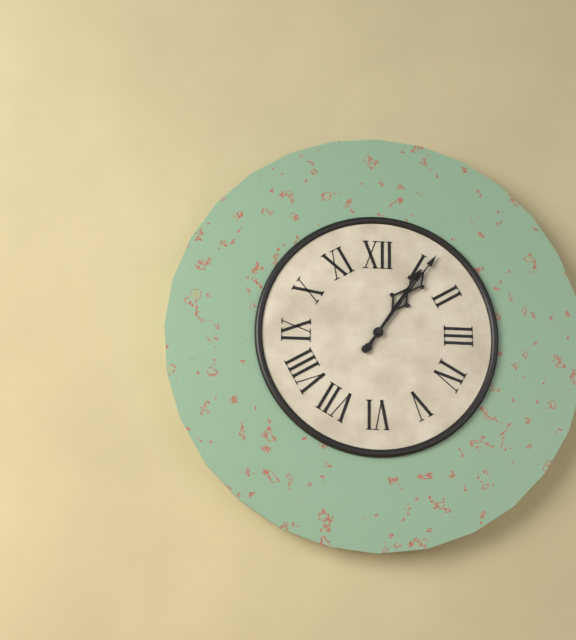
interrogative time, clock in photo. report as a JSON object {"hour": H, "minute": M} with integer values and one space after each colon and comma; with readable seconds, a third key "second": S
{"hour": 1, "minute": 6}
